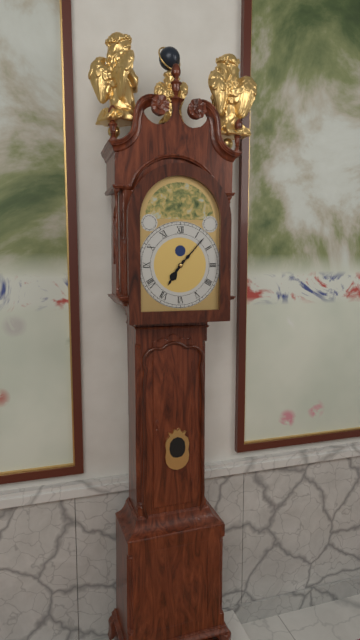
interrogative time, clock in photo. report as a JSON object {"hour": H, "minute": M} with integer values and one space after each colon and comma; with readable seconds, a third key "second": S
{"hour": 7, "minute": 7}
